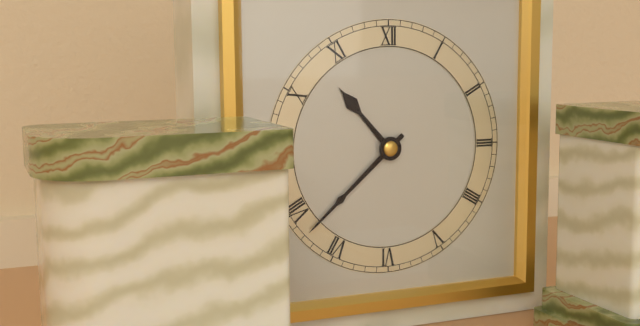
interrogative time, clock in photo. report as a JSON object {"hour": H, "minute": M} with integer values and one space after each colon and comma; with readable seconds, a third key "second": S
{"hour": 10, "minute": 38}
